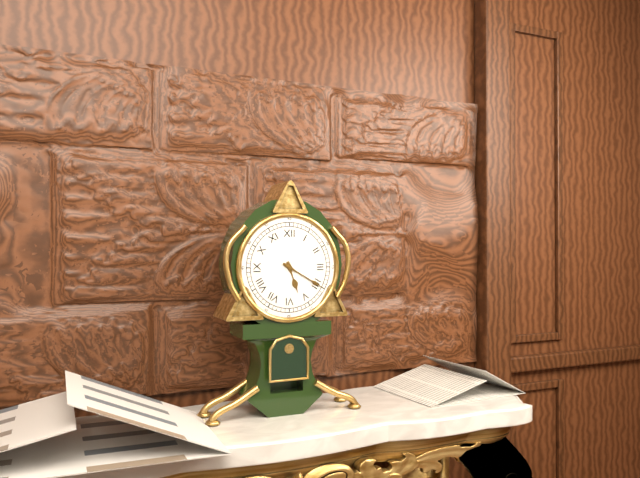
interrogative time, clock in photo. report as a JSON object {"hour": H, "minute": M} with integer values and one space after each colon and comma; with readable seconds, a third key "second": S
{"hour": 5, "minute": 20}
